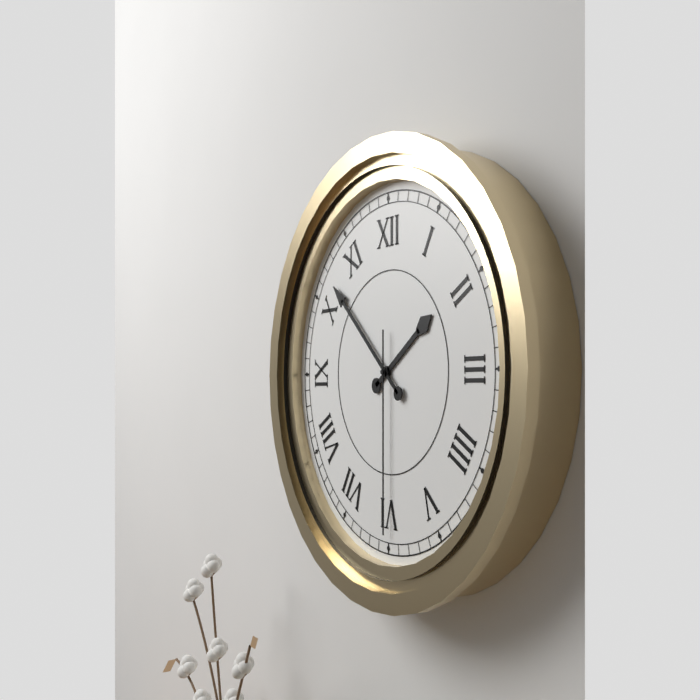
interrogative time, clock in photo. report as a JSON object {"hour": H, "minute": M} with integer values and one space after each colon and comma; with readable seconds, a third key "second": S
{"hour": 1, "minute": 52, "second": 30}
